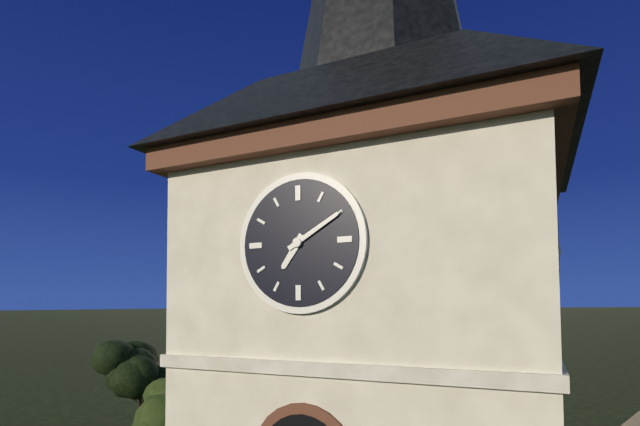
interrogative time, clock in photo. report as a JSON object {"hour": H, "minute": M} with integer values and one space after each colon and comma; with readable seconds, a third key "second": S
{"hour": 7, "minute": 10}
